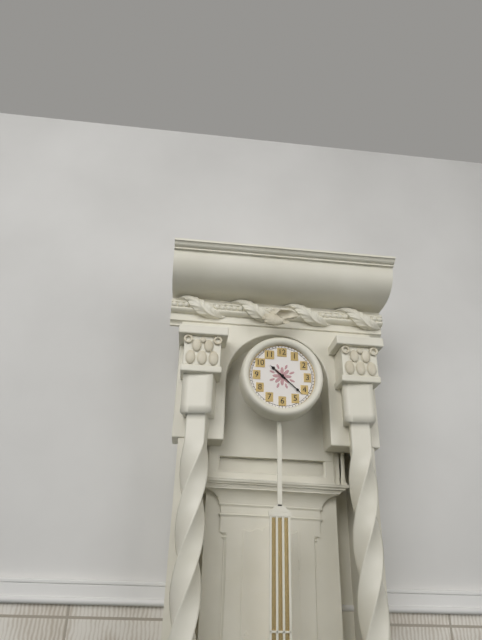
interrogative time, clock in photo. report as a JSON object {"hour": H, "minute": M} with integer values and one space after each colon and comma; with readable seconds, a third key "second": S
{"hour": 10, "minute": 22}
